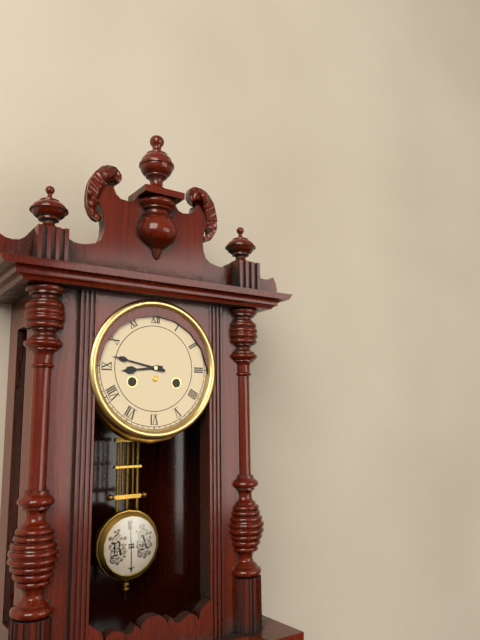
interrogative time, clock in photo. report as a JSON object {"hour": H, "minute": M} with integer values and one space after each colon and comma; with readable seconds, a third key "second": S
{"hour": 8, "minute": 47}
